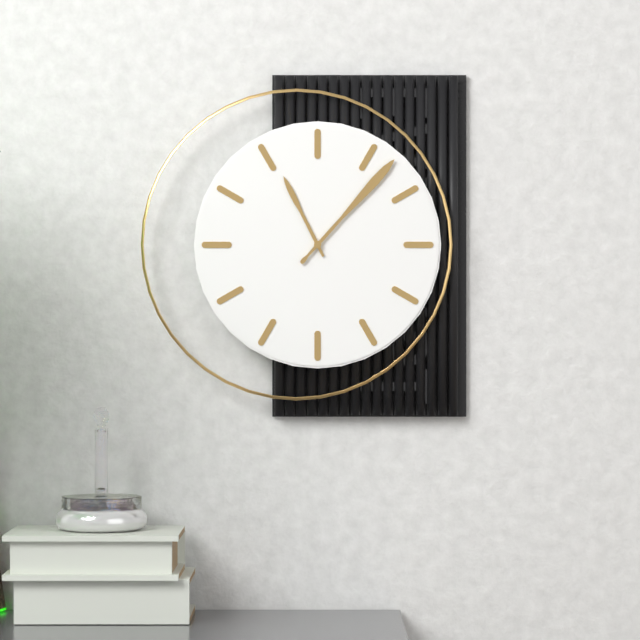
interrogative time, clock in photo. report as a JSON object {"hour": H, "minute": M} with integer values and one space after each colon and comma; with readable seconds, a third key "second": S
{"hour": 11, "minute": 7}
